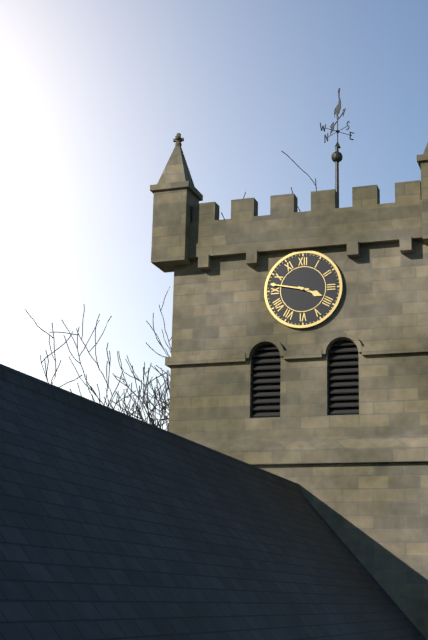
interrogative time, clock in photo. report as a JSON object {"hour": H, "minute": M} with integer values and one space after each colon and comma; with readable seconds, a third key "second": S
{"hour": 3, "minute": 47}
